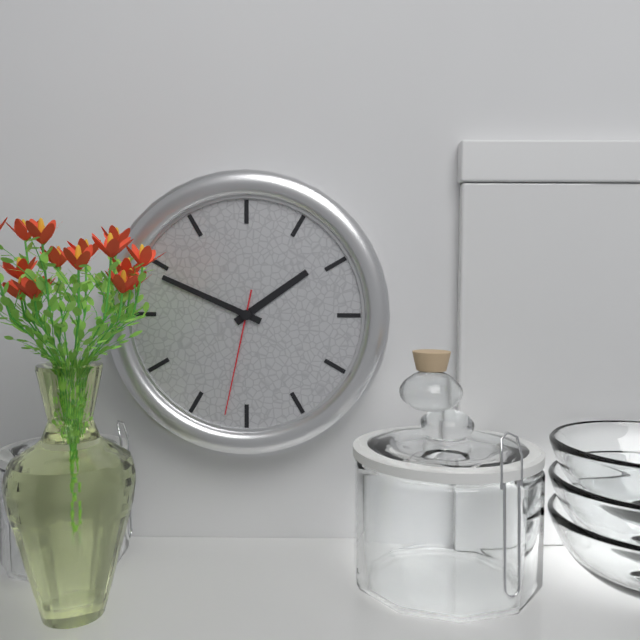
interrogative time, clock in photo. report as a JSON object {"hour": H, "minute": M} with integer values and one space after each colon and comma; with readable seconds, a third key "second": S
{"hour": 1, "minute": 49, "second": 32}
